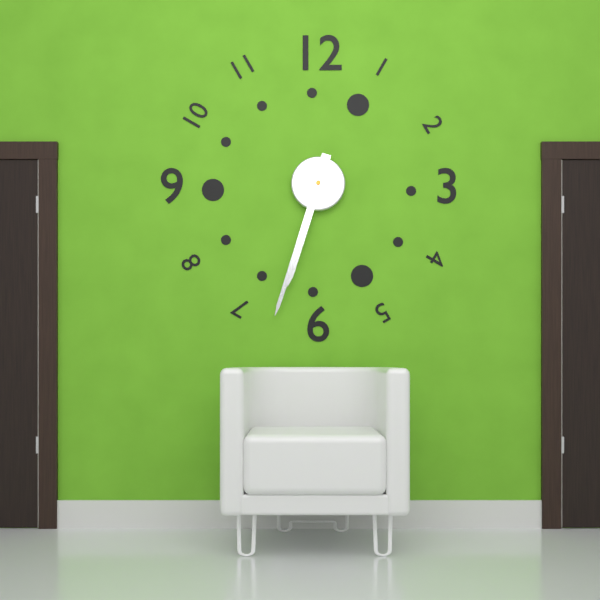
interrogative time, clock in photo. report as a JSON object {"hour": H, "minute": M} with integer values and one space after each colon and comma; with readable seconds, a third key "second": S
{"hour": 6, "minute": 33}
